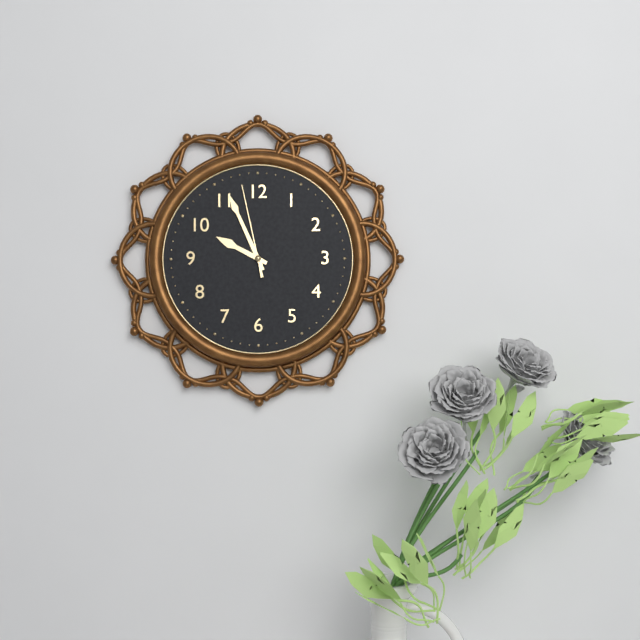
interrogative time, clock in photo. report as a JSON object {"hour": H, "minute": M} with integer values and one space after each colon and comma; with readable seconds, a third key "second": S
{"hour": 9, "minute": 56, "second": 58}
